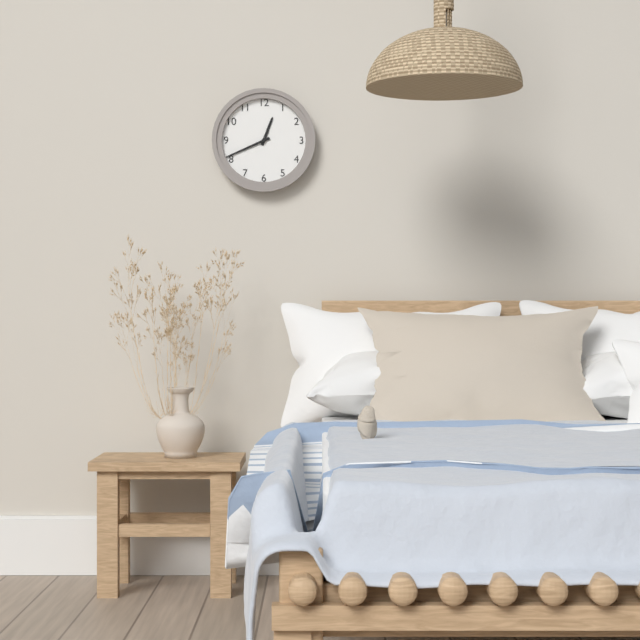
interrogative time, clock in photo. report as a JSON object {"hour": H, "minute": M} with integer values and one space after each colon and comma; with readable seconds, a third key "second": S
{"hour": 12, "minute": 41}
